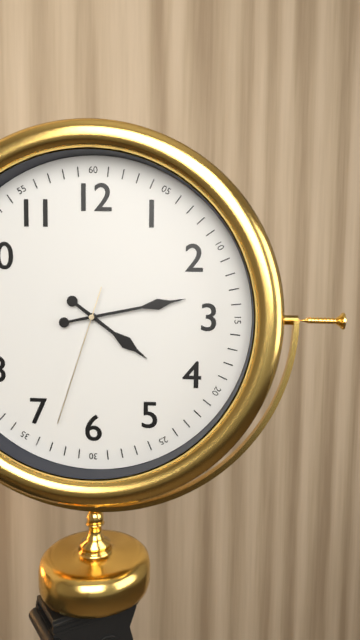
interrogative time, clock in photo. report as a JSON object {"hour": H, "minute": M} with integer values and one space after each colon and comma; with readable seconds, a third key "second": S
{"hour": 4, "minute": 13, "second": 33}
